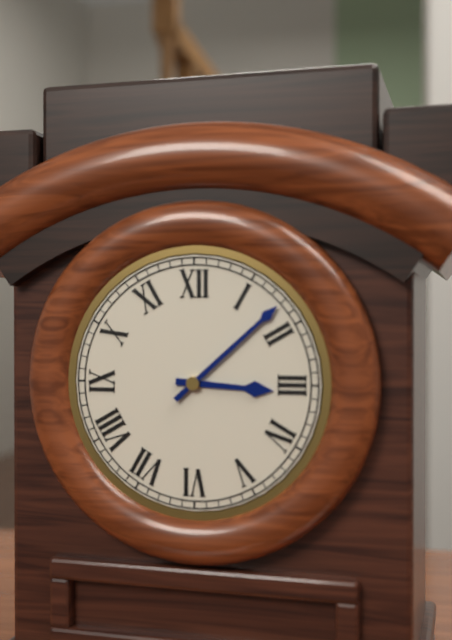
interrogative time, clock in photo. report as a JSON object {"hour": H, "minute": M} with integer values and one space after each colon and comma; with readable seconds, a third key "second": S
{"hour": 3, "minute": 8}
